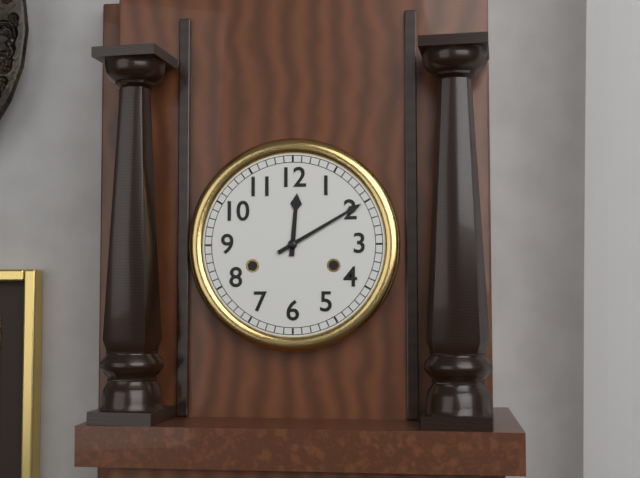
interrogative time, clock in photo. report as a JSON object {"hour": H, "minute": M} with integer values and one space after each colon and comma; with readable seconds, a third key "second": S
{"hour": 12, "minute": 10}
